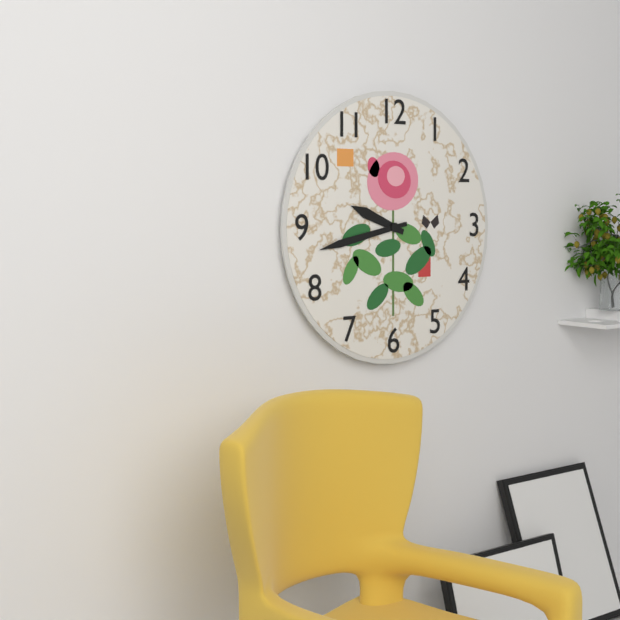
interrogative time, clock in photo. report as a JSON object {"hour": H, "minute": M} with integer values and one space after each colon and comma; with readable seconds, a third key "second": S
{"hour": 9, "minute": 43}
